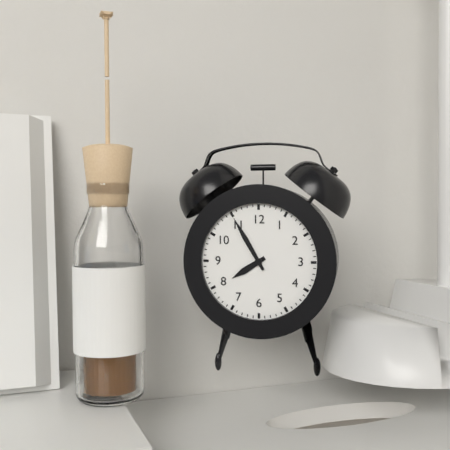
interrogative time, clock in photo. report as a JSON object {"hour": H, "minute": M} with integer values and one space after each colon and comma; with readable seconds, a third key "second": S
{"hour": 7, "minute": 55}
